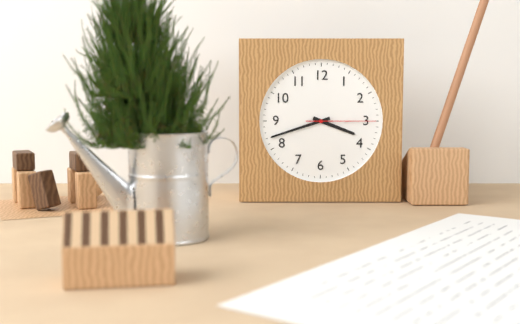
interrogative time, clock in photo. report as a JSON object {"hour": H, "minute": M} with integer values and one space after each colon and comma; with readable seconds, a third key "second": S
{"hour": 3, "minute": 42, "second": 15}
